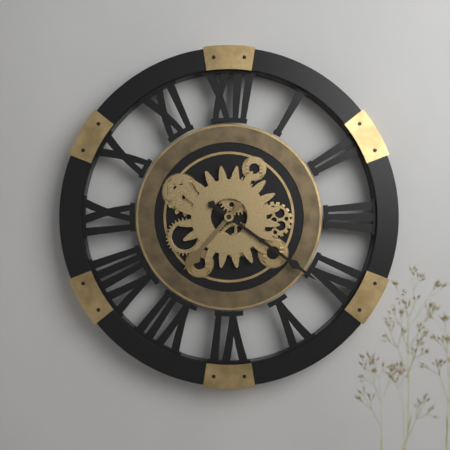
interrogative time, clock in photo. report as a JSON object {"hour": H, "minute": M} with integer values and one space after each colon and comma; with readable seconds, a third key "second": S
{"hour": 7, "minute": 21}
